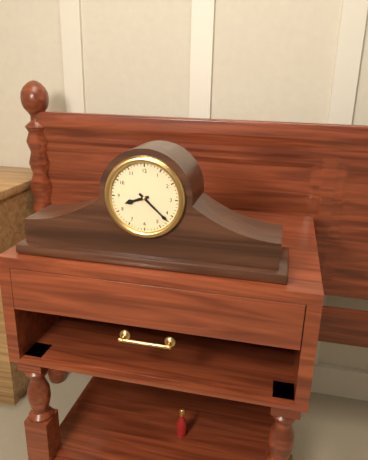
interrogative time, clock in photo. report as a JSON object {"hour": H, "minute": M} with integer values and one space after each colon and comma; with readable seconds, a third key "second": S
{"hour": 8, "minute": 22}
